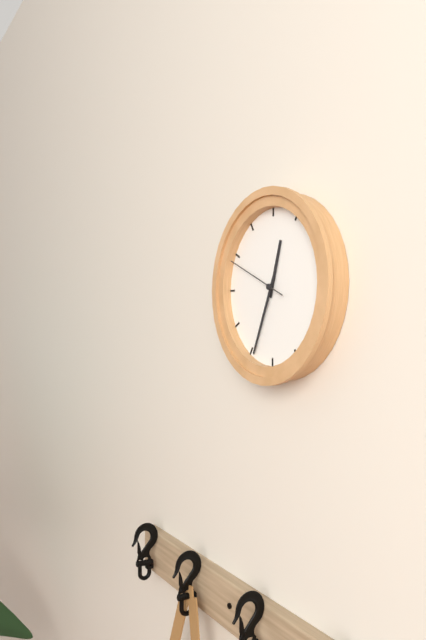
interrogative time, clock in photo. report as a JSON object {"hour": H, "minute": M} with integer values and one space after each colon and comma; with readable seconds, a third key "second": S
{"hour": 12, "minute": 34, "second": 49}
